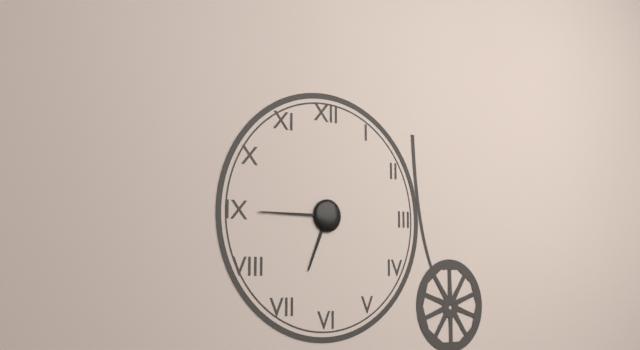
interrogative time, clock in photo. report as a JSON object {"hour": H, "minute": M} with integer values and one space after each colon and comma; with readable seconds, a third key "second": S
{"hour": 6, "minute": 45}
